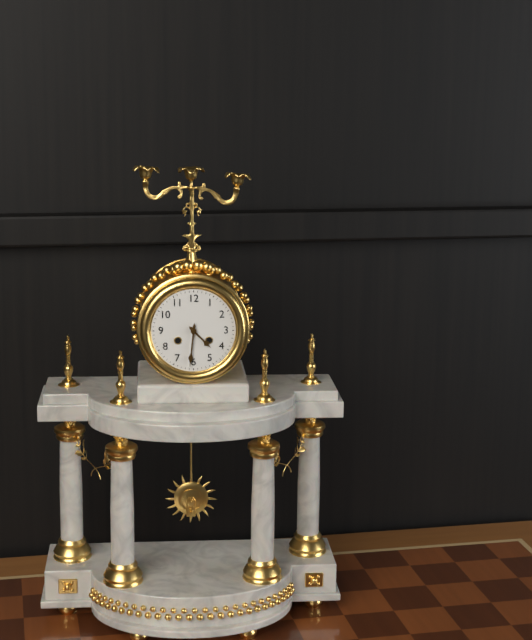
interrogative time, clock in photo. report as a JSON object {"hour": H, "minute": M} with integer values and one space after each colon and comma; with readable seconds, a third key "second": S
{"hour": 4, "minute": 31}
